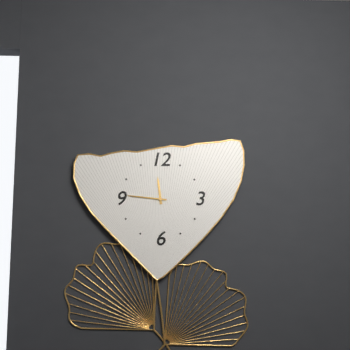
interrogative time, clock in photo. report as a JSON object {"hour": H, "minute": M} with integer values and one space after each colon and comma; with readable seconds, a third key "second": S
{"hour": 11, "minute": 46}
